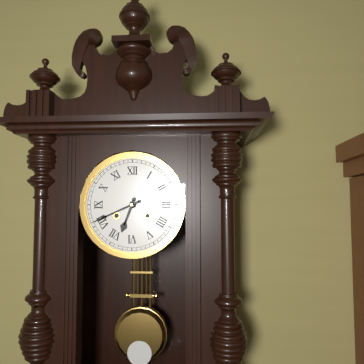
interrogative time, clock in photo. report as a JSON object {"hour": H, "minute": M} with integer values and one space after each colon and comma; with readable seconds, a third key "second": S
{"hour": 6, "minute": 41}
